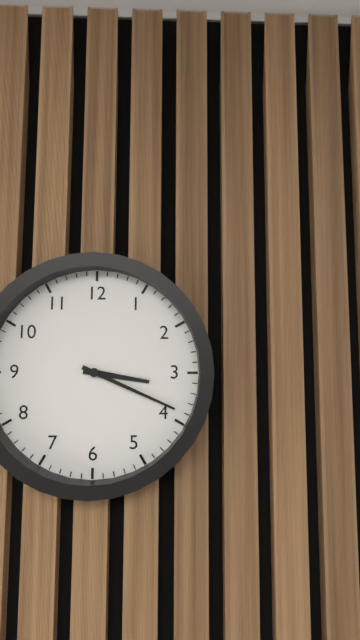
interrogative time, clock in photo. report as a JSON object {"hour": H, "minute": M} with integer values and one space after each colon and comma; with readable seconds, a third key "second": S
{"hour": 3, "minute": 19}
